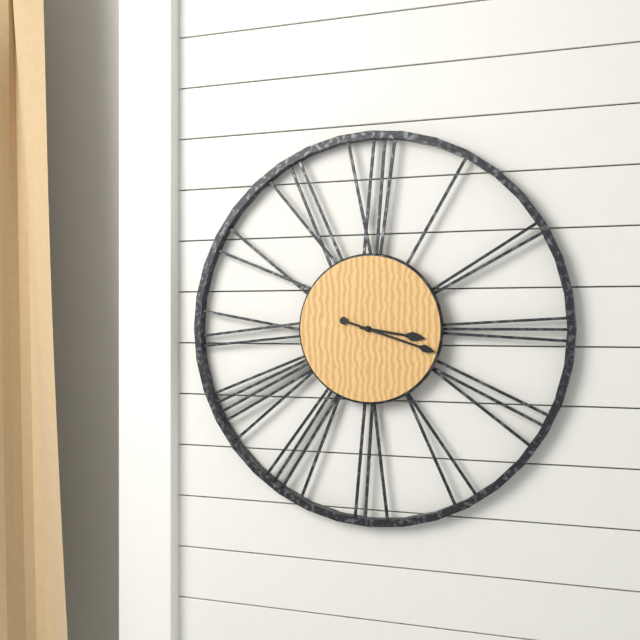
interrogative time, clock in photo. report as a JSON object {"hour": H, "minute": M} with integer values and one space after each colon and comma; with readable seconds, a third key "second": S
{"hour": 3, "minute": 18}
